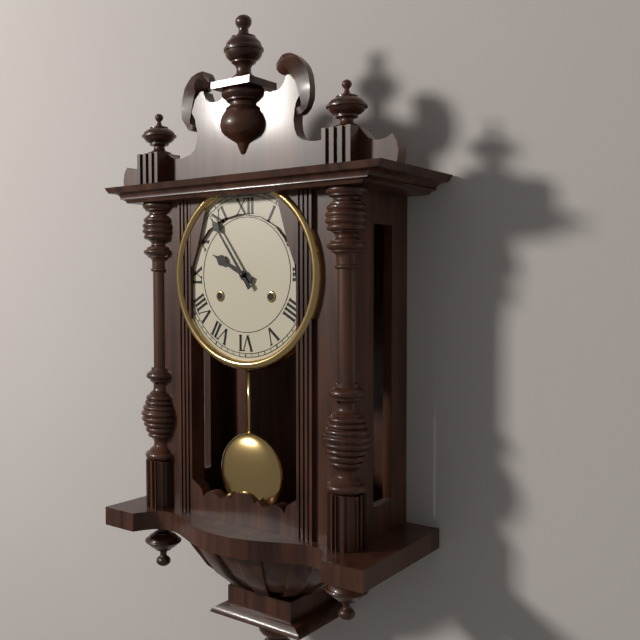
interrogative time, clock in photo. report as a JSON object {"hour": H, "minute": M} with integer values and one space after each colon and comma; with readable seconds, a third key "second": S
{"hour": 9, "minute": 54}
